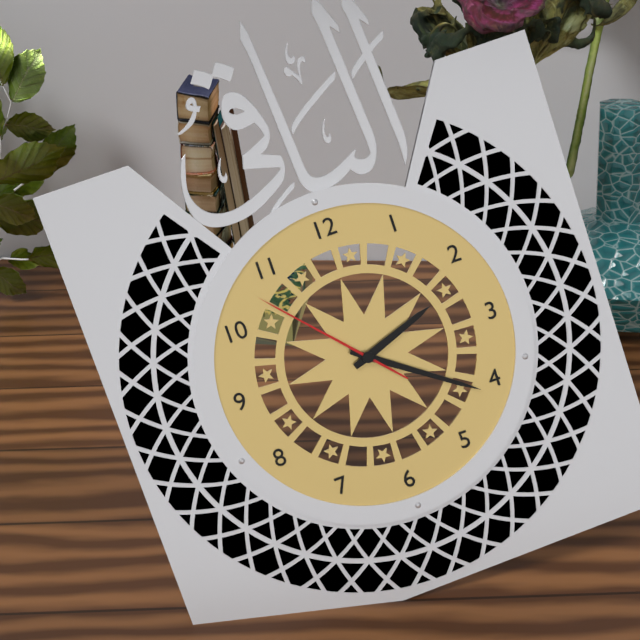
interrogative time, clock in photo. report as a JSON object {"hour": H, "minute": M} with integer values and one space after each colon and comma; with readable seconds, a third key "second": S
{"hour": 2, "minute": 21, "second": 53}
